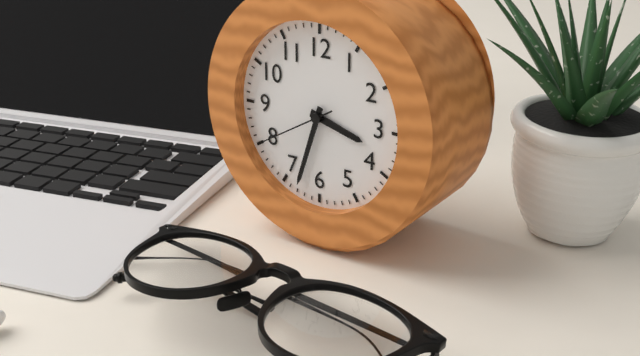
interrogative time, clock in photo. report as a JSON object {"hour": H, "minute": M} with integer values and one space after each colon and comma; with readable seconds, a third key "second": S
{"hour": 3, "minute": 33, "second": 40}
